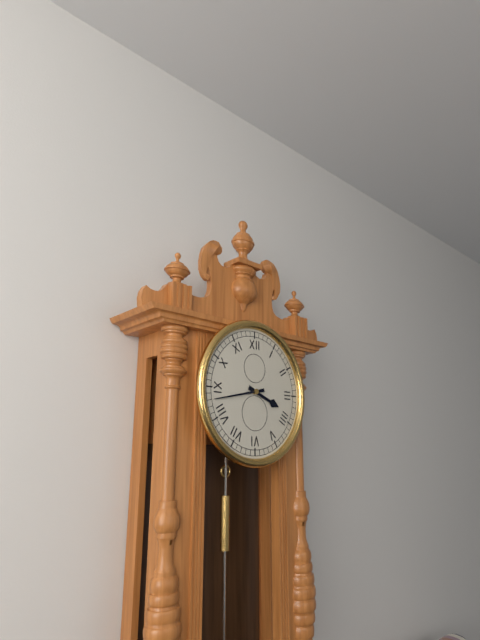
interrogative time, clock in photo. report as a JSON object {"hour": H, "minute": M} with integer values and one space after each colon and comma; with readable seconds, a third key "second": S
{"hour": 3, "minute": 43}
